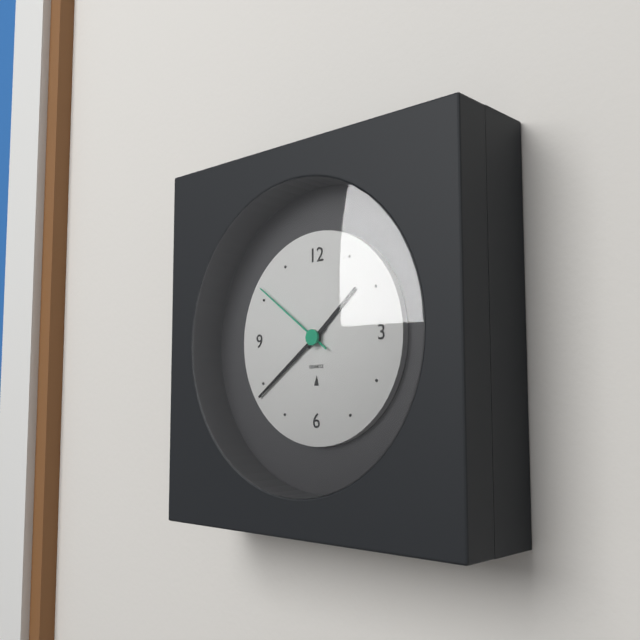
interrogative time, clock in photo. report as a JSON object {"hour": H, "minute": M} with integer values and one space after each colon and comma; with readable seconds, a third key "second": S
{"hour": 1, "minute": 39, "second": 51}
